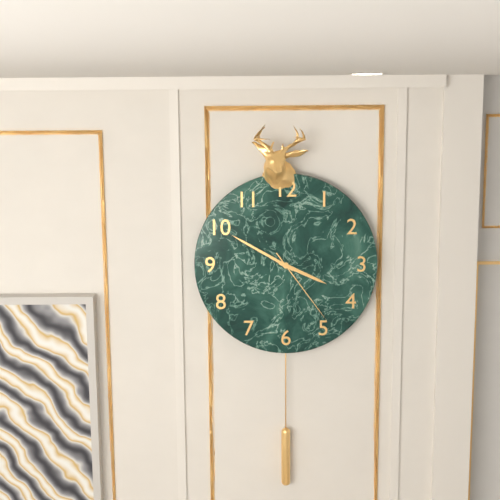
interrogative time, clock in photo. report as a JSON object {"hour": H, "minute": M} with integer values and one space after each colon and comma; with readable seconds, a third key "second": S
{"hour": 3, "minute": 50, "second": 24}
